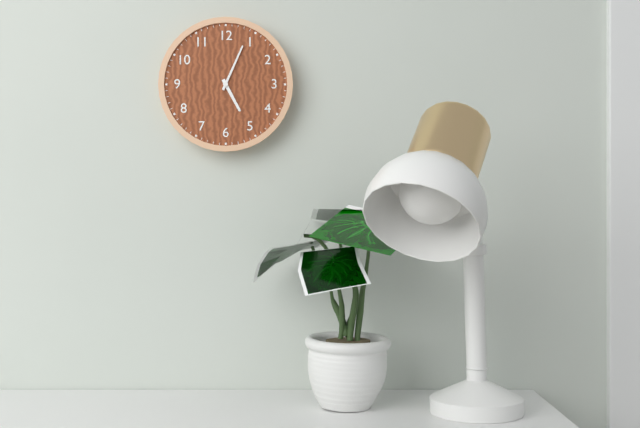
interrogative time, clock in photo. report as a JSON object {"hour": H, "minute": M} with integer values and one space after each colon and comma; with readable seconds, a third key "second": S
{"hour": 5, "minute": 4}
